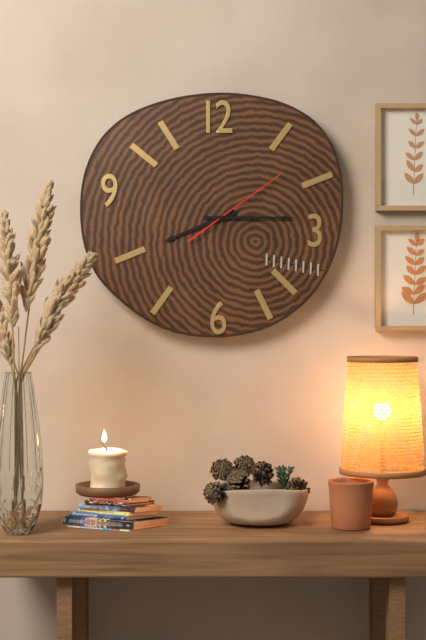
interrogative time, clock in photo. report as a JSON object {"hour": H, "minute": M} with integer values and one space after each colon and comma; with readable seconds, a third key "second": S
{"hour": 8, "minute": 15, "second": 9}
